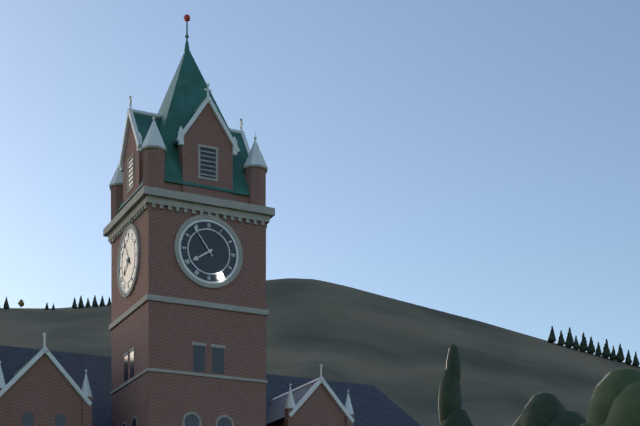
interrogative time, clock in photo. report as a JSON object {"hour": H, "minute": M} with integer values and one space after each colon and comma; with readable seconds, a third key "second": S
{"hour": 7, "minute": 54}
